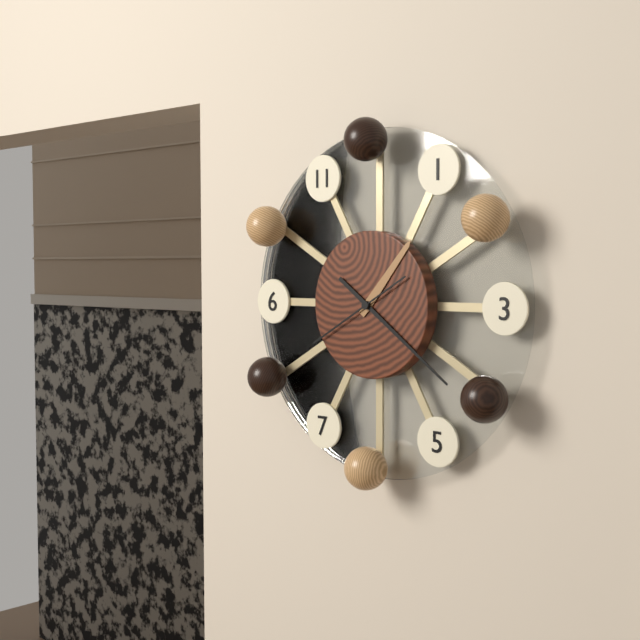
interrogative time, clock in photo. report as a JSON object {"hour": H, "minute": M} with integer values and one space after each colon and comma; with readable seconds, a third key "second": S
{"hour": 1, "minute": 21, "second": 40}
